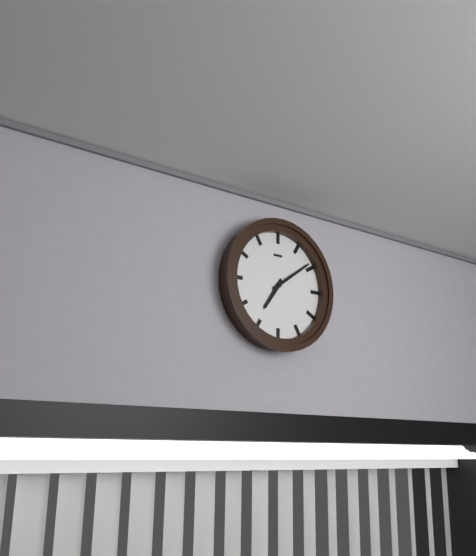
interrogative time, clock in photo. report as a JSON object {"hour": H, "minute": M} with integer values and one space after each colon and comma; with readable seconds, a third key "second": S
{"hour": 7, "minute": 9}
